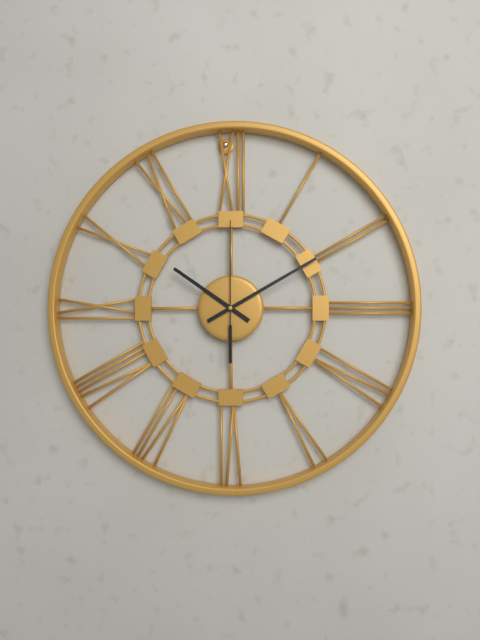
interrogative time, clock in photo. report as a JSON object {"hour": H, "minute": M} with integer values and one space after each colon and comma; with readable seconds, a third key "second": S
{"hour": 10, "minute": 10, "second": 0}
